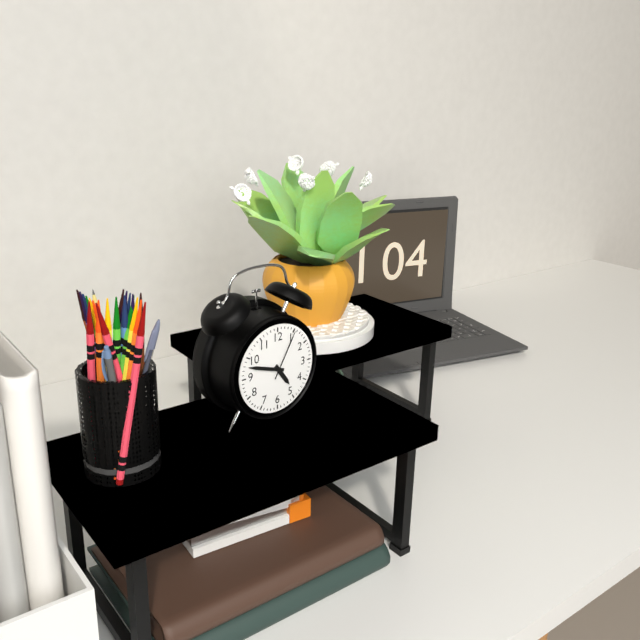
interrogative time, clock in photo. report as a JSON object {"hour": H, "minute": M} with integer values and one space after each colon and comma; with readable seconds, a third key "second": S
{"hour": 4, "minute": 48, "second": 5}
